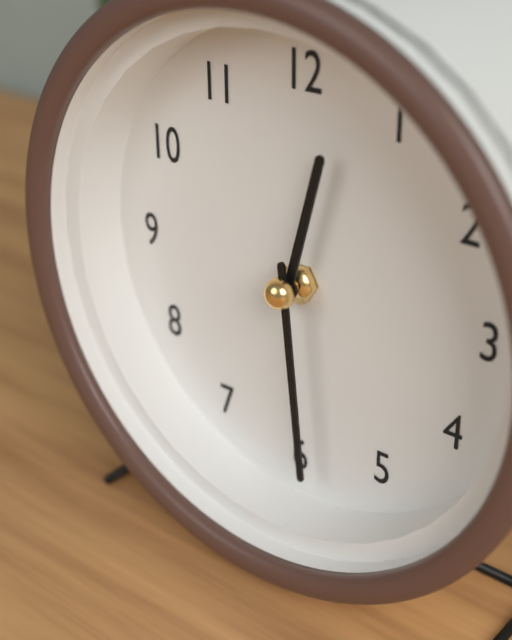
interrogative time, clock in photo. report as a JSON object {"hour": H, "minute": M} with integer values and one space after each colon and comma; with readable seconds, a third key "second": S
{"hour": 12, "minute": 29}
